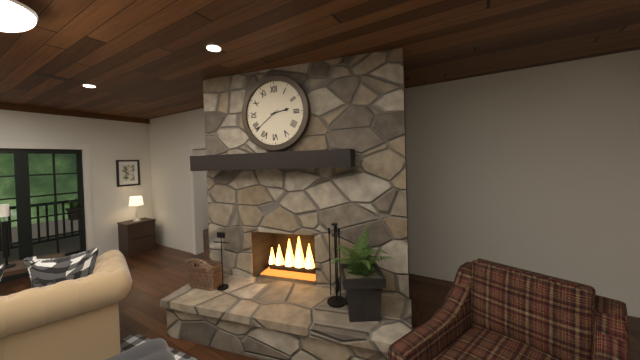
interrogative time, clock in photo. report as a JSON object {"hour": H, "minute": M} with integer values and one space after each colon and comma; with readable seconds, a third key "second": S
{"hour": 2, "minute": 39}
